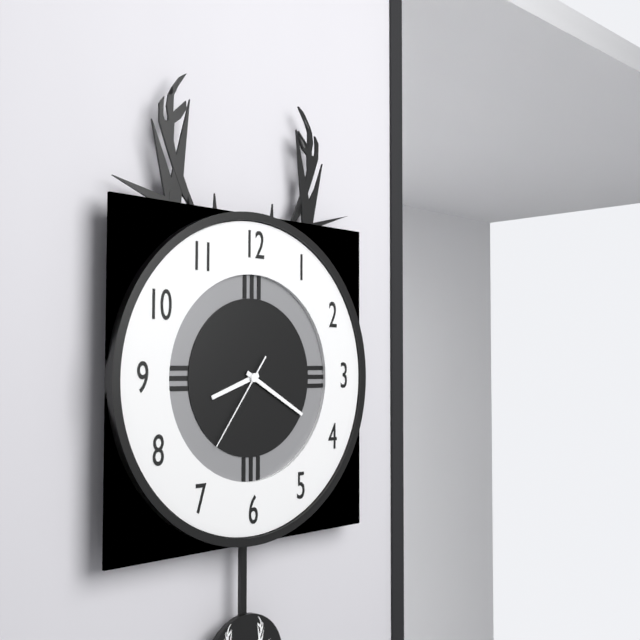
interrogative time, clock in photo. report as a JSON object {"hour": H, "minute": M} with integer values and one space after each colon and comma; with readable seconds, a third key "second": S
{"hour": 8, "minute": 20, "second": 36}
